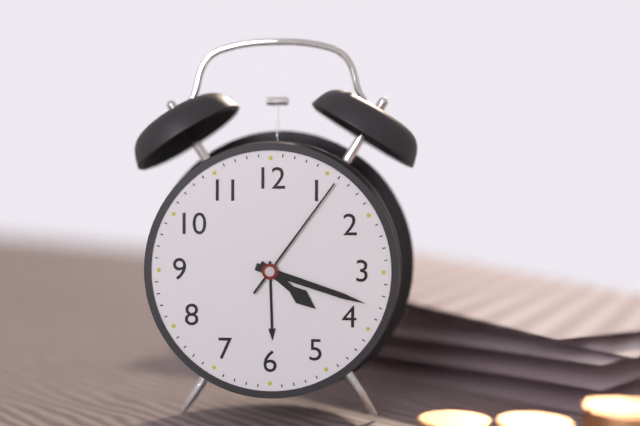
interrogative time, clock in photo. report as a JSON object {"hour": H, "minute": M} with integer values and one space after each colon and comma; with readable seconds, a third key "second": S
{"hour": 4, "minute": 18, "second": 6}
